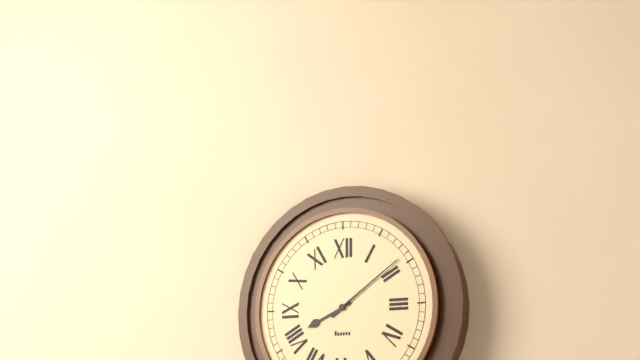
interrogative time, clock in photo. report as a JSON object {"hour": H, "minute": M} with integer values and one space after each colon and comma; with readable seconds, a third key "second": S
{"hour": 8, "minute": 9}
